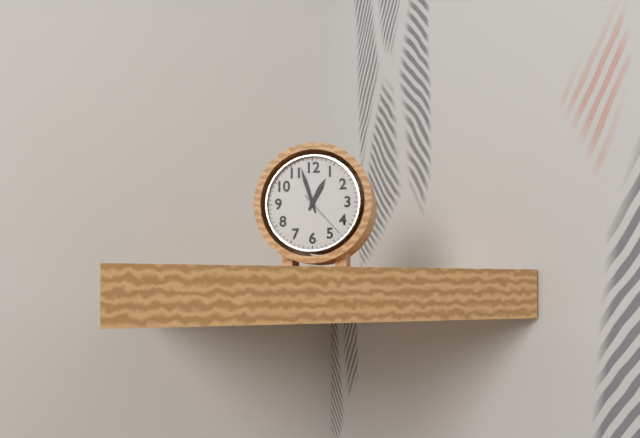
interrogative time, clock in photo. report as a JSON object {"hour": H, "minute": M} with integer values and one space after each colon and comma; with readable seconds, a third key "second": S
{"hour": 12, "minute": 57, "second": 23}
